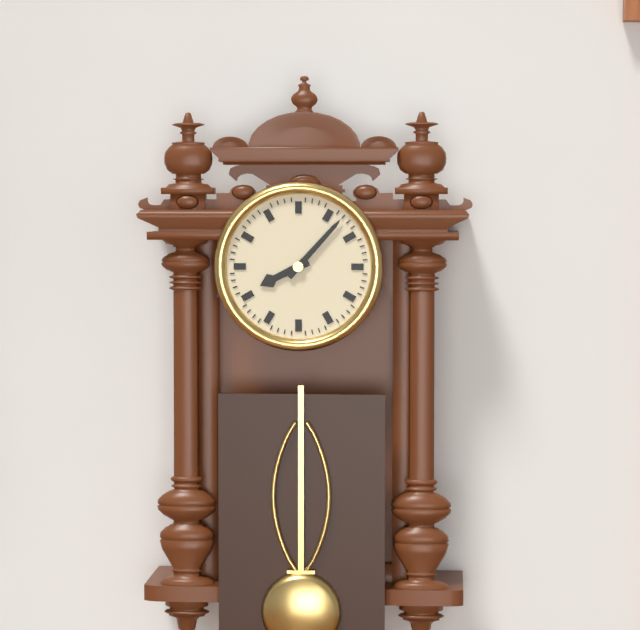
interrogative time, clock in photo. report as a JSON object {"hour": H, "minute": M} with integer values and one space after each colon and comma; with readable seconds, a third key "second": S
{"hour": 8, "minute": 7}
